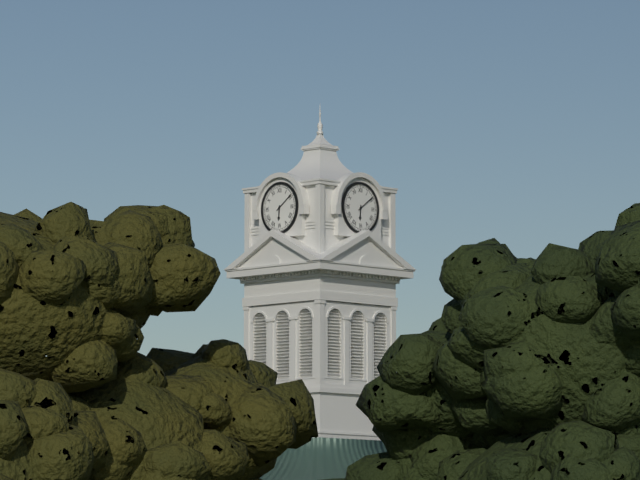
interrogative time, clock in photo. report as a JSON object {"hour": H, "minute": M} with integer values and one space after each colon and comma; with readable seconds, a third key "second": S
{"hour": 6, "minute": 9}
